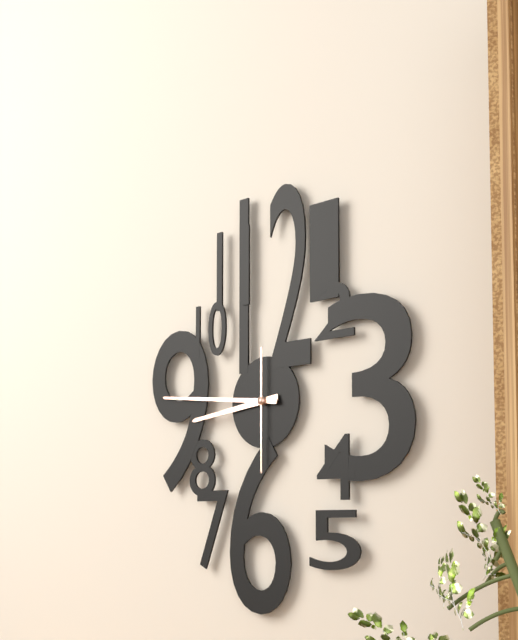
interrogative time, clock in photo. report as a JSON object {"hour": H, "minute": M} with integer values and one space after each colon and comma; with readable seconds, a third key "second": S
{"hour": 8, "minute": 46, "second": 30}
